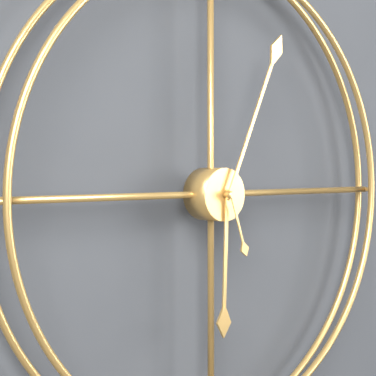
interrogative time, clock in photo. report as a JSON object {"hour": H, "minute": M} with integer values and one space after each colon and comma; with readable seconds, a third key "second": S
{"hour": 6, "minute": 4, "second": 27}
